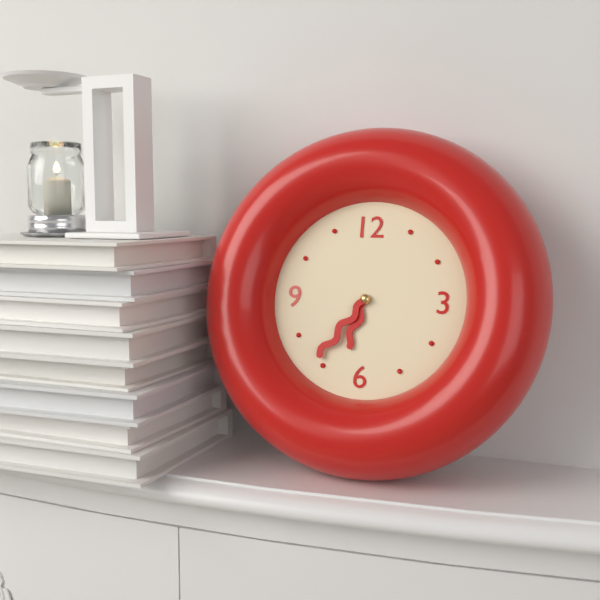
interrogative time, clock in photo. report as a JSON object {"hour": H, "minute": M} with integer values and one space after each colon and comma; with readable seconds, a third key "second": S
{"hour": 6, "minute": 36}
